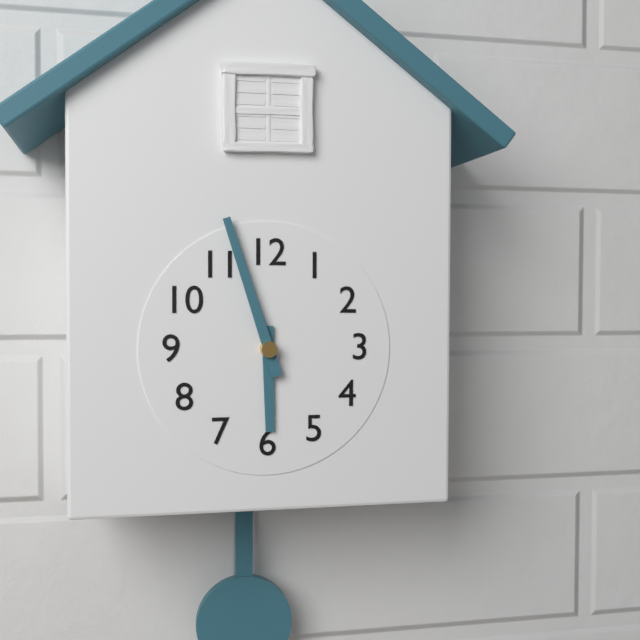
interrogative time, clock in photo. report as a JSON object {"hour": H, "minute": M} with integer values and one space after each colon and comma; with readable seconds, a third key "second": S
{"hour": 5, "minute": 57}
